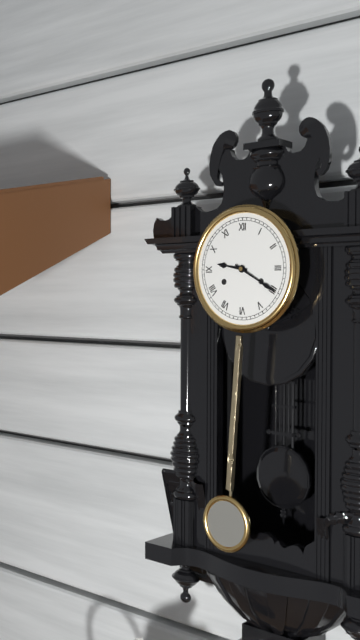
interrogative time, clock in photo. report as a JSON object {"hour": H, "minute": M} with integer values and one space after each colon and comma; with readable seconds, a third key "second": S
{"hour": 9, "minute": 20}
